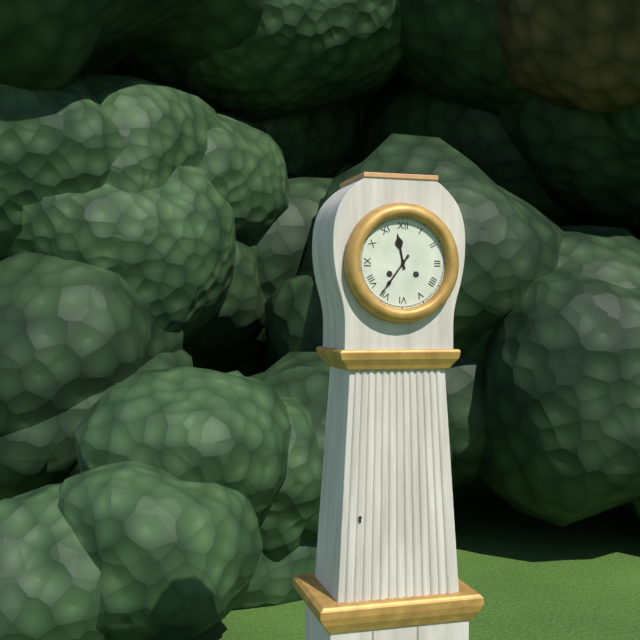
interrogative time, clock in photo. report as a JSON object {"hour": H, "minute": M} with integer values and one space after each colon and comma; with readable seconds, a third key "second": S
{"hour": 11, "minute": 36}
